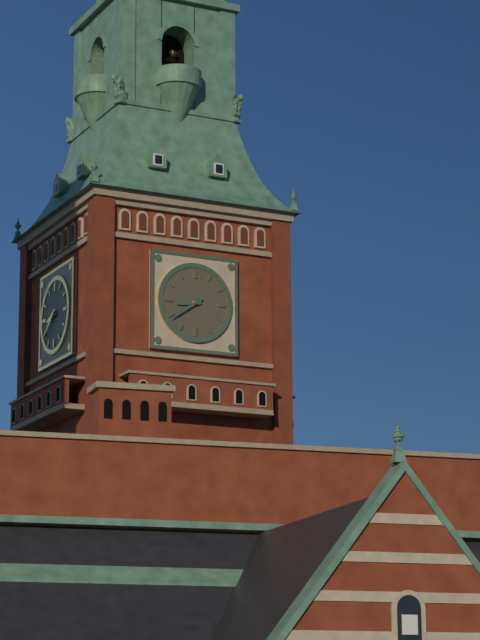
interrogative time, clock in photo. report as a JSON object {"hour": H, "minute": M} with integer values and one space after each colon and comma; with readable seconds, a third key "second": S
{"hour": 8, "minute": 39}
